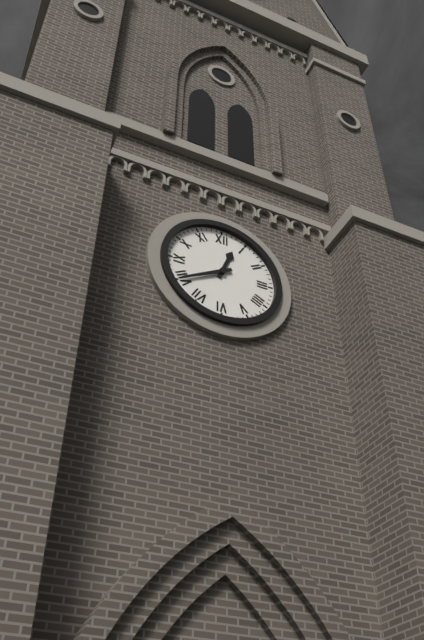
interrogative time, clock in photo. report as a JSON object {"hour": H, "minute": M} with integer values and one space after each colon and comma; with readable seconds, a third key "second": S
{"hour": 12, "minute": 40}
